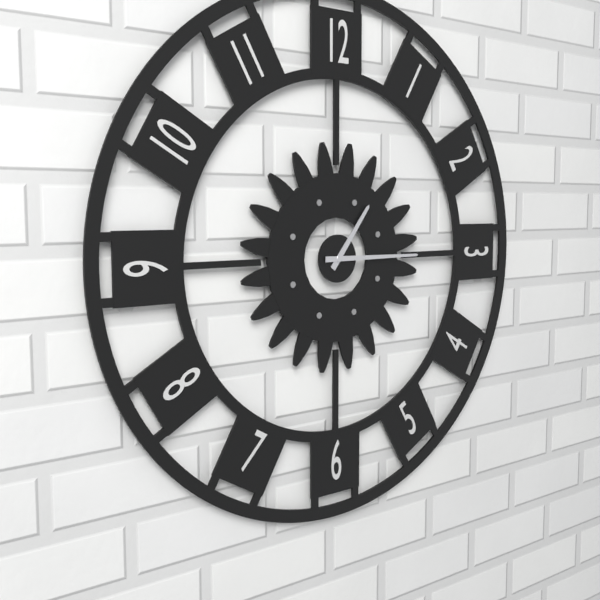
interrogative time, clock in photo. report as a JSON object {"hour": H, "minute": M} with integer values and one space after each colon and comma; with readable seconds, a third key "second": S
{"hour": 1, "minute": 15}
